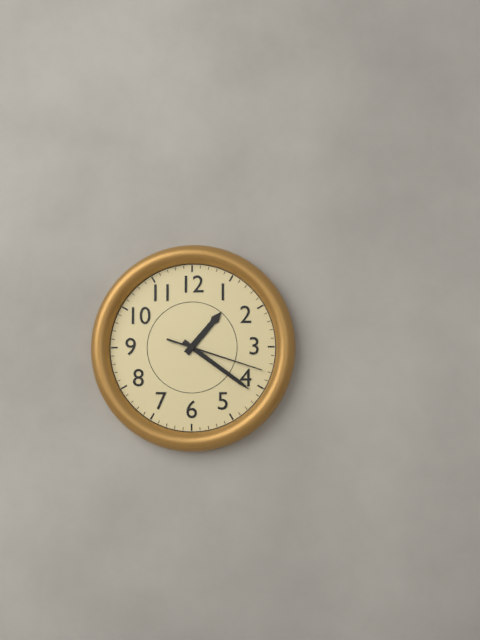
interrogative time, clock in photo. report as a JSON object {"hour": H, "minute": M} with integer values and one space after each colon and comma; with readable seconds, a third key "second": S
{"hour": 1, "minute": 21, "second": 18}
